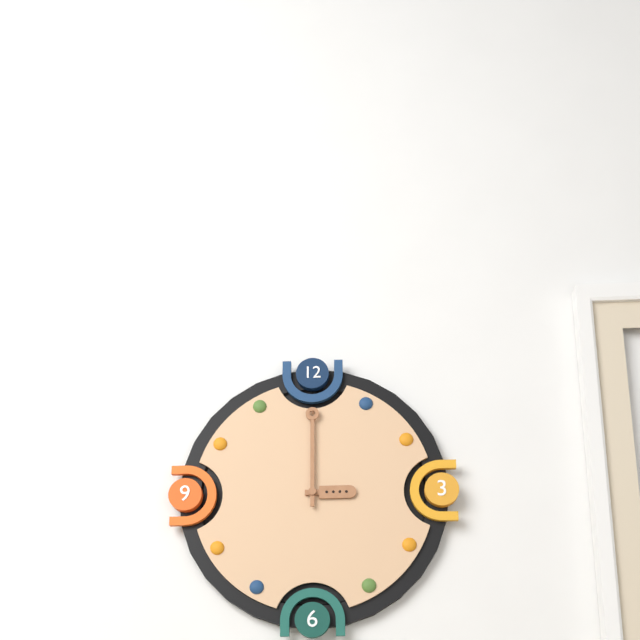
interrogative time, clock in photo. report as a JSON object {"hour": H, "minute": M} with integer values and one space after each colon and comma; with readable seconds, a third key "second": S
{"hour": 3, "minute": 0}
